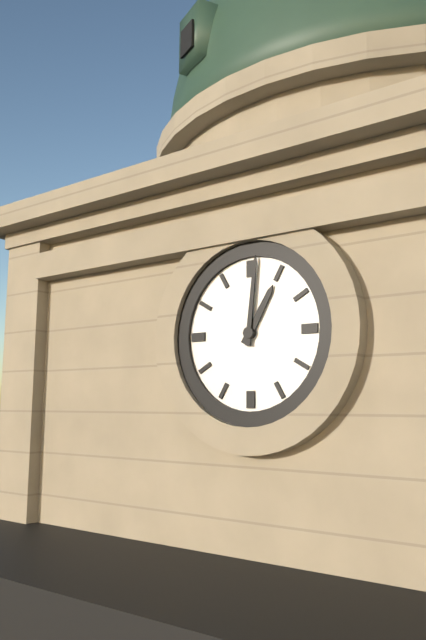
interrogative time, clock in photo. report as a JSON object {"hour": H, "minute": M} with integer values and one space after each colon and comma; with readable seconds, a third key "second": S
{"hour": 1, "minute": 1}
